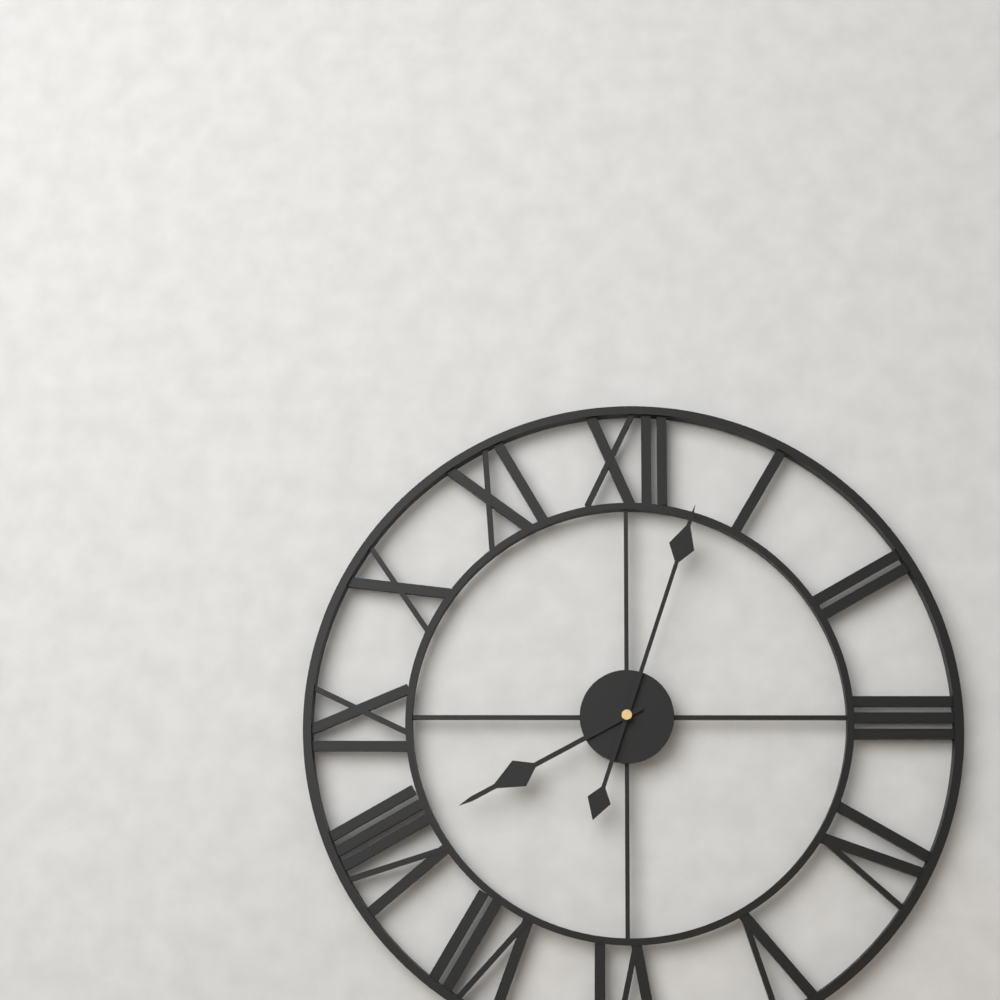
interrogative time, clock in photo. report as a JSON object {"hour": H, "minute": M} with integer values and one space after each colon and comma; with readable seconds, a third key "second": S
{"hour": 8, "minute": 3}
